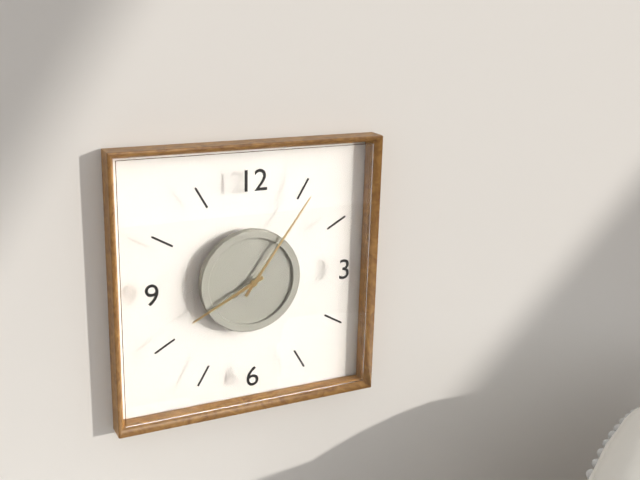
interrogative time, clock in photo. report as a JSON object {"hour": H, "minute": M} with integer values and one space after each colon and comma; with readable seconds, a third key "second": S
{"hour": 8, "minute": 6}
